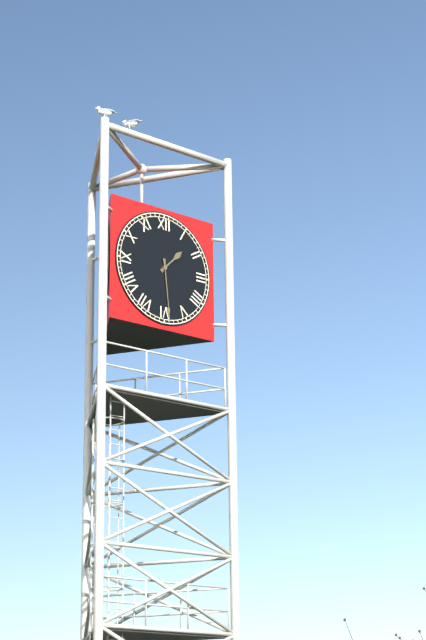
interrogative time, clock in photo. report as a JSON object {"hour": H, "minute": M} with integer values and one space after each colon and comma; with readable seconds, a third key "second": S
{"hour": 1, "minute": 29}
